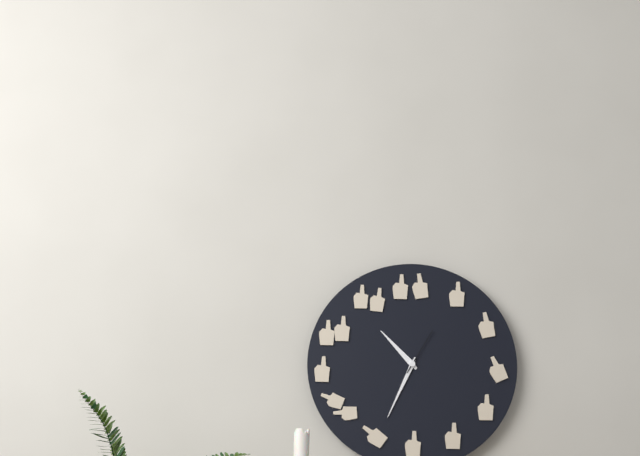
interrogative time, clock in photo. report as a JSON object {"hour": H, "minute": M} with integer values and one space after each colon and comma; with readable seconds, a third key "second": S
{"hour": 10, "minute": 34, "second": 5}
